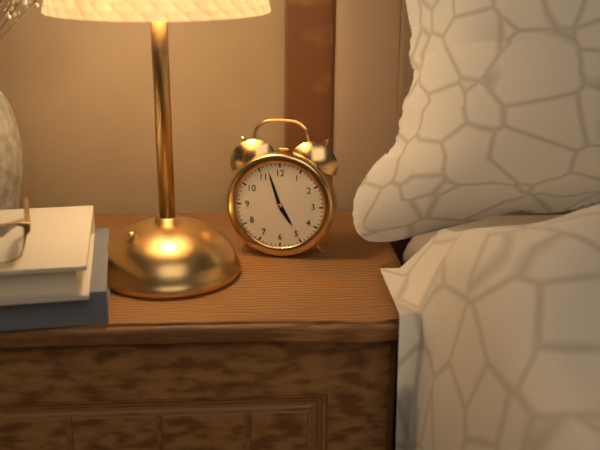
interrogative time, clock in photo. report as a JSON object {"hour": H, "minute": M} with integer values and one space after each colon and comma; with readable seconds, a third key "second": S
{"hour": 4, "minute": 57}
